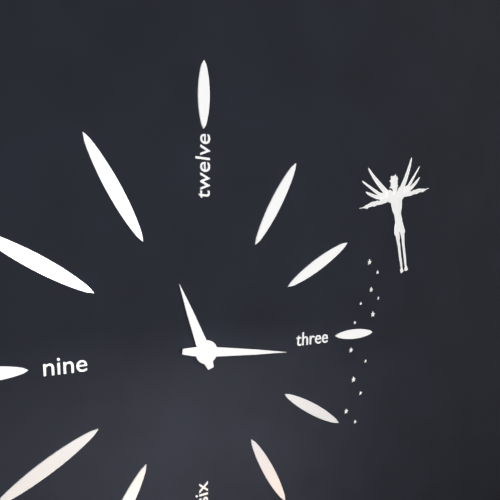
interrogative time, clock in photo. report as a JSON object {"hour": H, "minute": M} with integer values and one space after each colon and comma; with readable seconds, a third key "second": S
{"hour": 11, "minute": 16}
